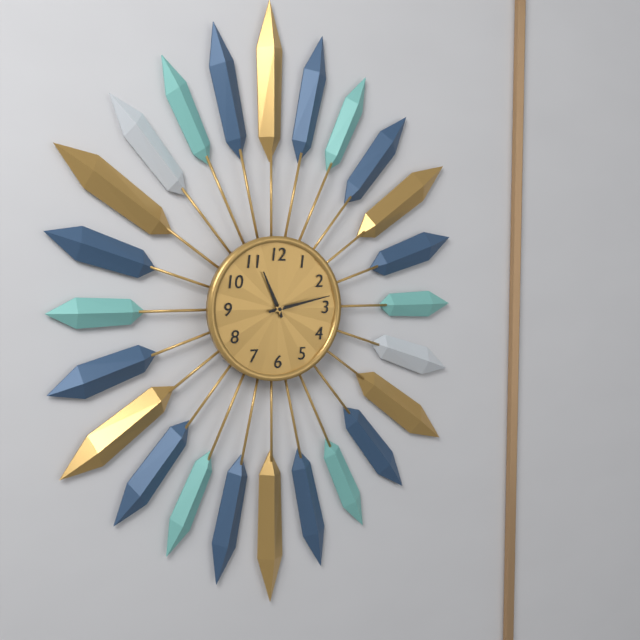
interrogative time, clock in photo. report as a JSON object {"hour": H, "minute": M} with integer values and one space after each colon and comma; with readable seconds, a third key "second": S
{"hour": 11, "minute": 13}
